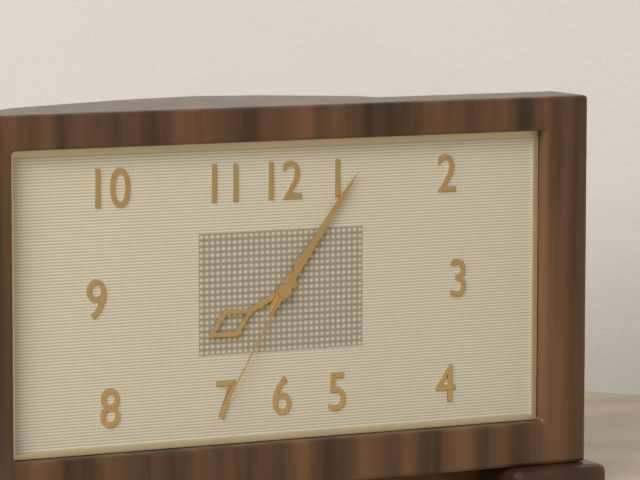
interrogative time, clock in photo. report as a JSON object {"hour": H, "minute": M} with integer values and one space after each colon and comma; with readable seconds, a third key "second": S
{"hour": 8, "minute": 6, "second": 35}
